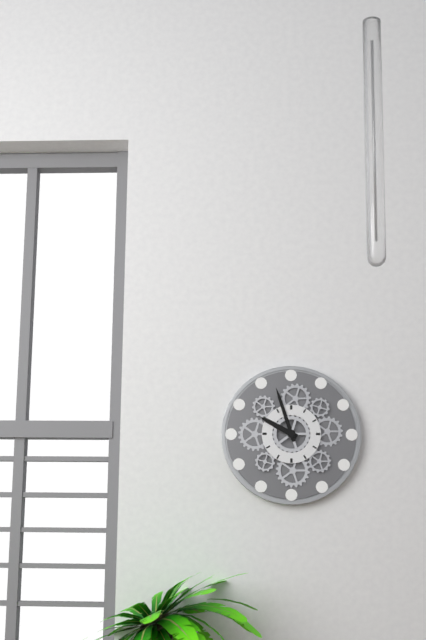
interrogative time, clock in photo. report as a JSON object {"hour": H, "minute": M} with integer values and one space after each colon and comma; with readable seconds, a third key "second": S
{"hour": 9, "minute": 57}
